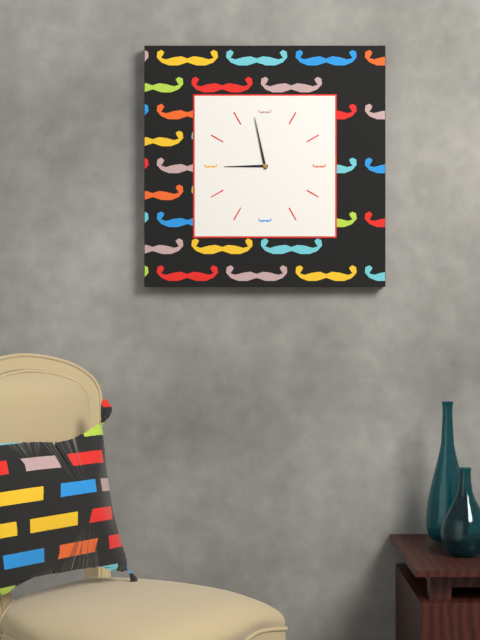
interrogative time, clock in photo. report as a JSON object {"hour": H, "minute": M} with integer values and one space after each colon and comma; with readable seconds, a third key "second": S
{"hour": 8, "minute": 58}
